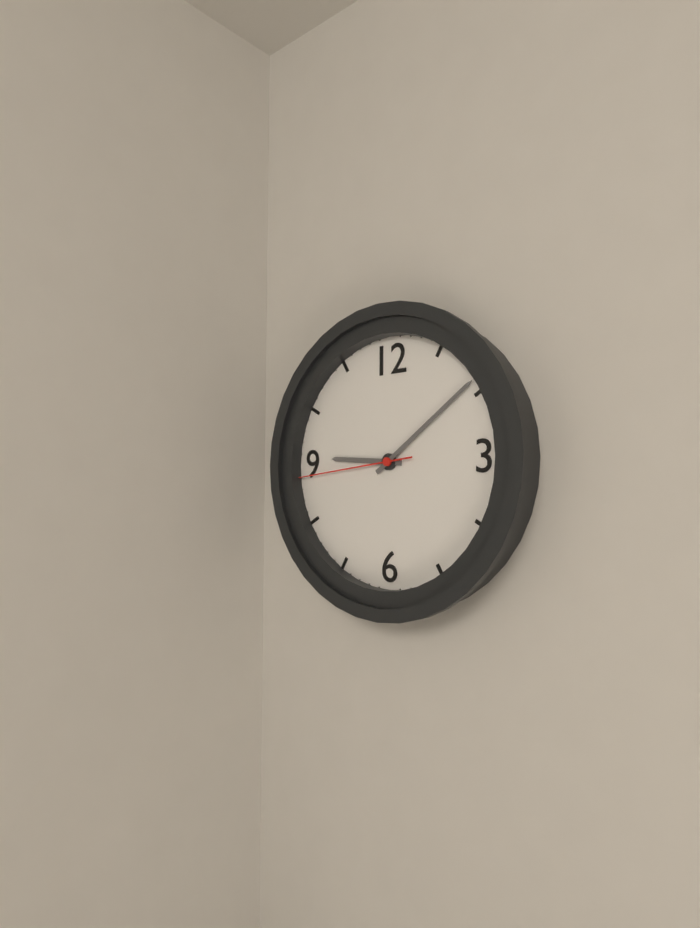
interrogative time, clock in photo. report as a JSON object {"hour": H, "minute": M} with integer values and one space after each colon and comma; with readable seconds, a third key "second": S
{"hour": 9, "minute": 9, "second": 44}
